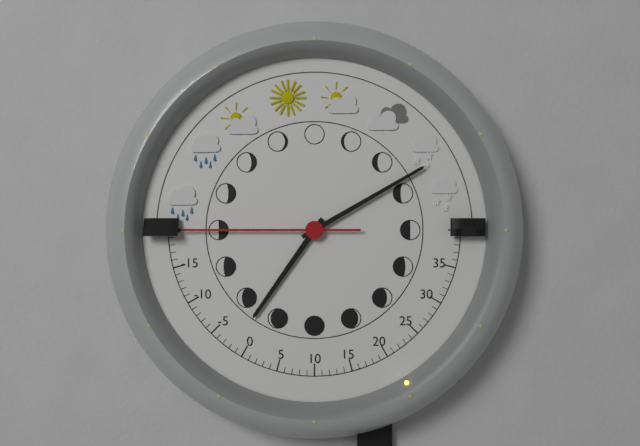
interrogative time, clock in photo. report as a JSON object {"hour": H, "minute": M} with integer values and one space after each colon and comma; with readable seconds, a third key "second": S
{"hour": 7, "minute": 10, "second": 45}
